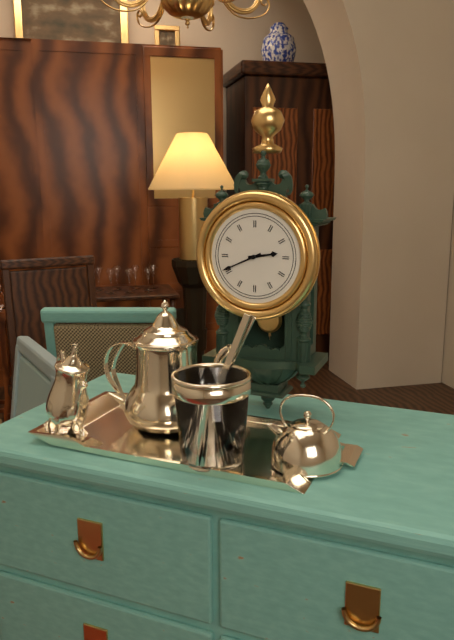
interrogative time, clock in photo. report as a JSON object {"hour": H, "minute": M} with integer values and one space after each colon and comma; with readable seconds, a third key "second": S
{"hour": 2, "minute": 41}
